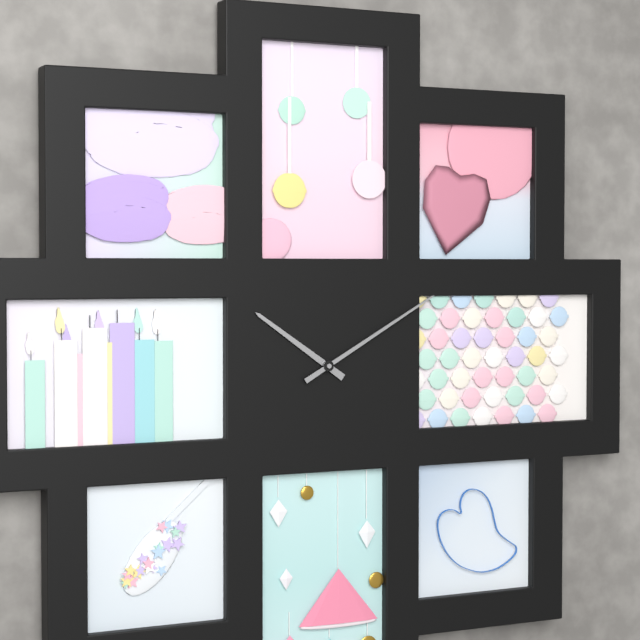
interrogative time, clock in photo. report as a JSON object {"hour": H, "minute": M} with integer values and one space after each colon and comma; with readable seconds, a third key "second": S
{"hour": 10, "minute": 10}
